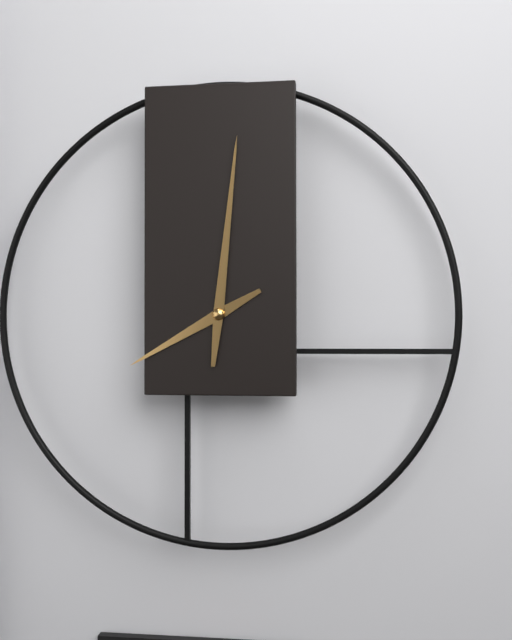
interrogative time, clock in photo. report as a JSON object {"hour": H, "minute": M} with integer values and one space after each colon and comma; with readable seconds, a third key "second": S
{"hour": 8, "minute": 1}
